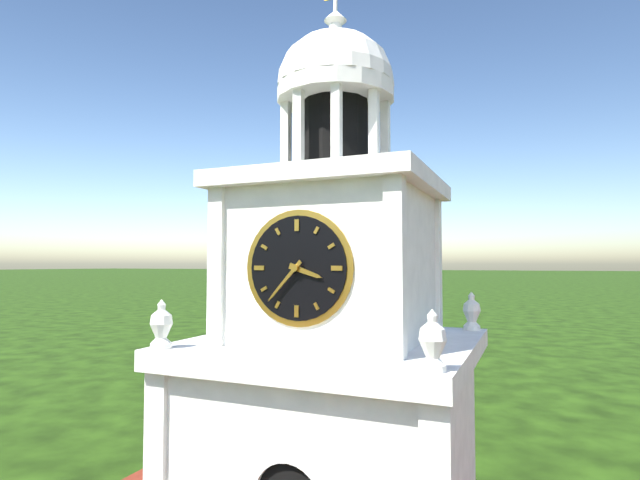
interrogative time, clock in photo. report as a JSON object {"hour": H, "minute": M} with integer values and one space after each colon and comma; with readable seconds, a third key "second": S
{"hour": 3, "minute": 37}
